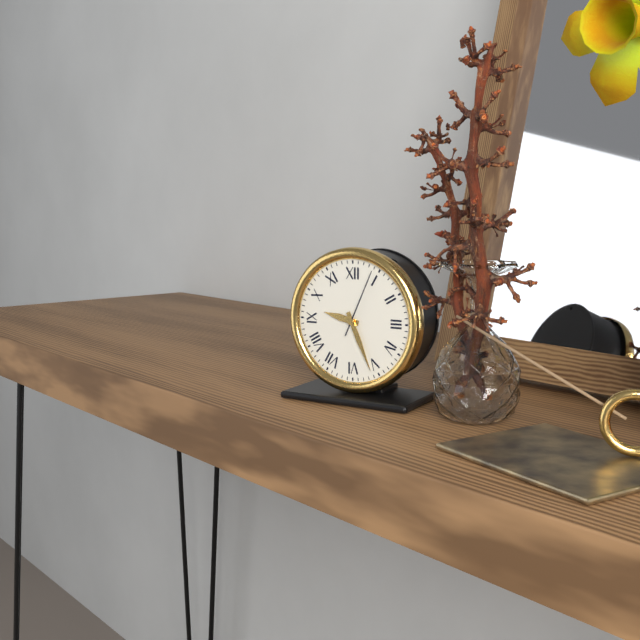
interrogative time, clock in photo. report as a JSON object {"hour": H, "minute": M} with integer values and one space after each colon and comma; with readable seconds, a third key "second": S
{"hour": 9, "minute": 26, "second": 4}
